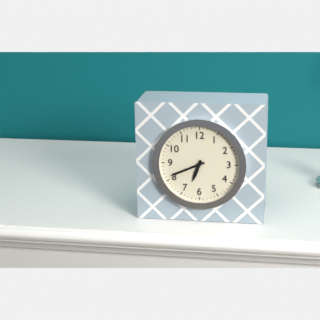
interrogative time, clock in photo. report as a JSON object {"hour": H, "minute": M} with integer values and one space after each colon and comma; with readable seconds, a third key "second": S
{"hour": 6, "minute": 41}
